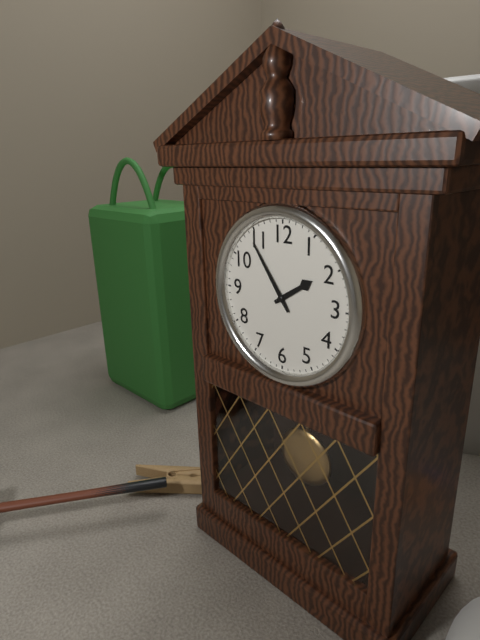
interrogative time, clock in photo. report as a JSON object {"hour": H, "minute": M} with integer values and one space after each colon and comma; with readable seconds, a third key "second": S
{"hour": 1, "minute": 54}
